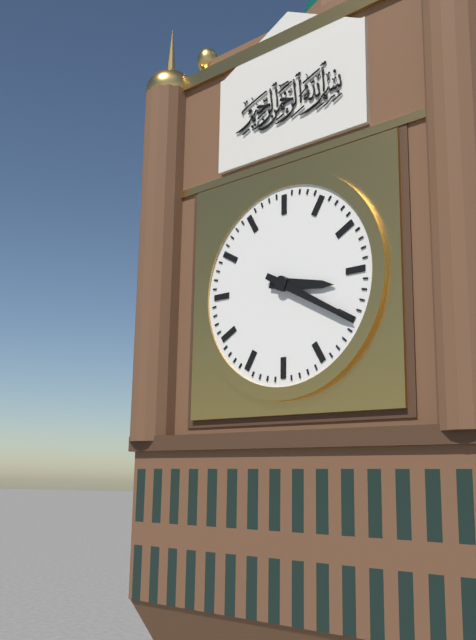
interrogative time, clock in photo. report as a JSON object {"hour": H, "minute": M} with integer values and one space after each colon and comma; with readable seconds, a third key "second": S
{"hour": 3, "minute": 20}
